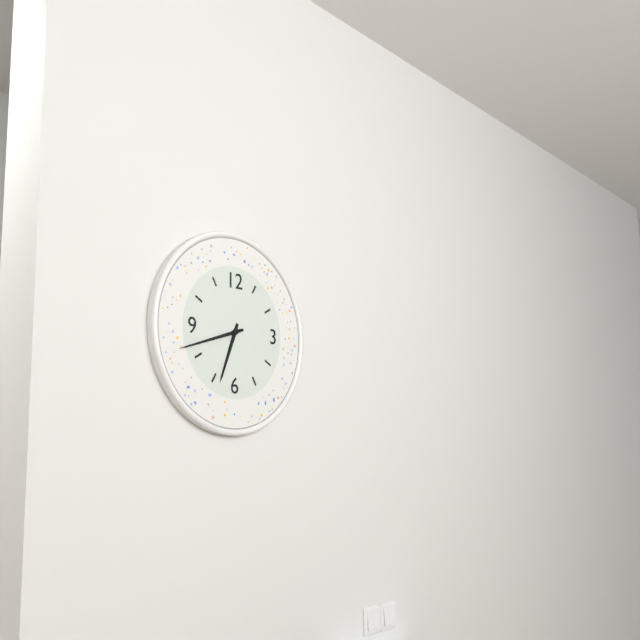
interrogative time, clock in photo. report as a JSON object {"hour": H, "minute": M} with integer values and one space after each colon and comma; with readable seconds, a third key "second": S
{"hour": 6, "minute": 42}
